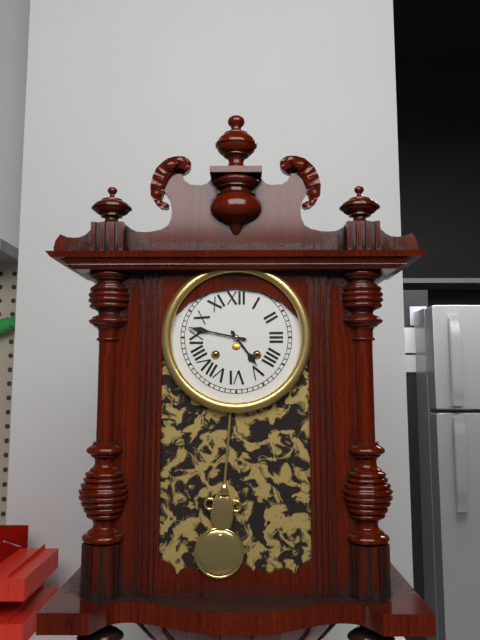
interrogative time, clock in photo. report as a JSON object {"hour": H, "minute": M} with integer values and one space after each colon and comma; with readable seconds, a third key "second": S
{"hour": 4, "minute": 47}
